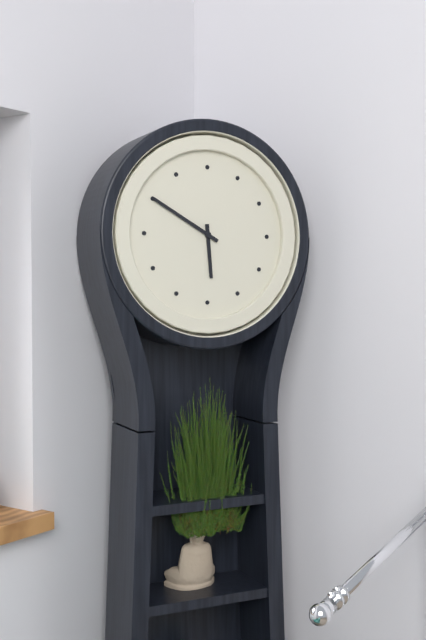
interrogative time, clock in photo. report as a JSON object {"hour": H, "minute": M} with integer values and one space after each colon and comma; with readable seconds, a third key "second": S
{"hour": 5, "minute": 50}
